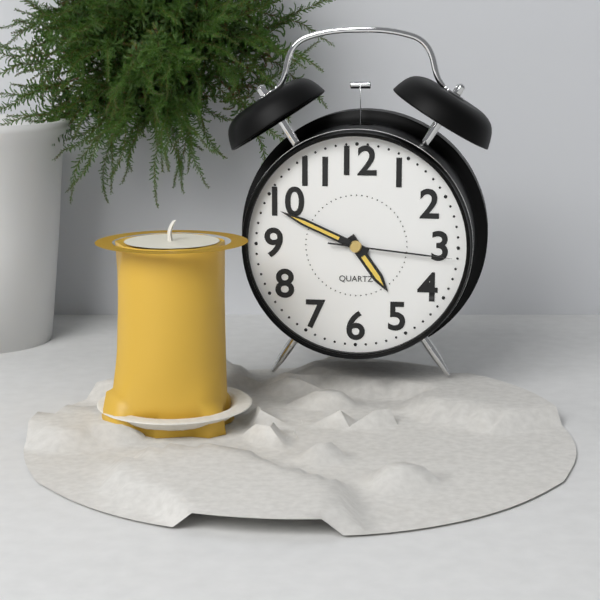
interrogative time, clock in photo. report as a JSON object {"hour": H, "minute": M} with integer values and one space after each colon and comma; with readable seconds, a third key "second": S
{"hour": 4, "minute": 49, "second": 16}
